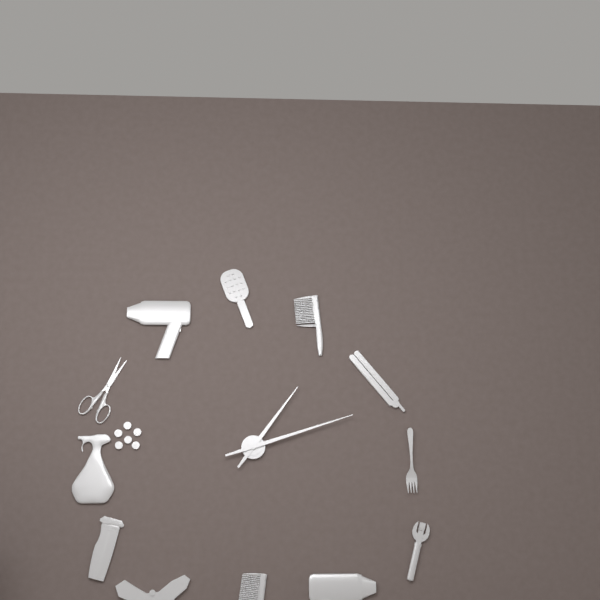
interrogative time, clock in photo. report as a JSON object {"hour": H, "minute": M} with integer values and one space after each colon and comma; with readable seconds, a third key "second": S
{"hour": 1, "minute": 12}
